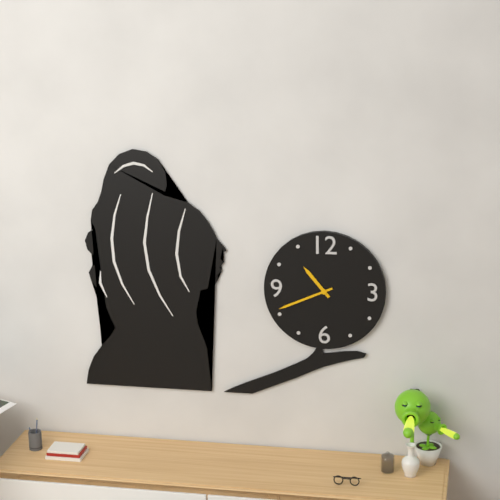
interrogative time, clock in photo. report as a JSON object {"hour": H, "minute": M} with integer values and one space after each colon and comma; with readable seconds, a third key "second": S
{"hour": 10, "minute": 41}
